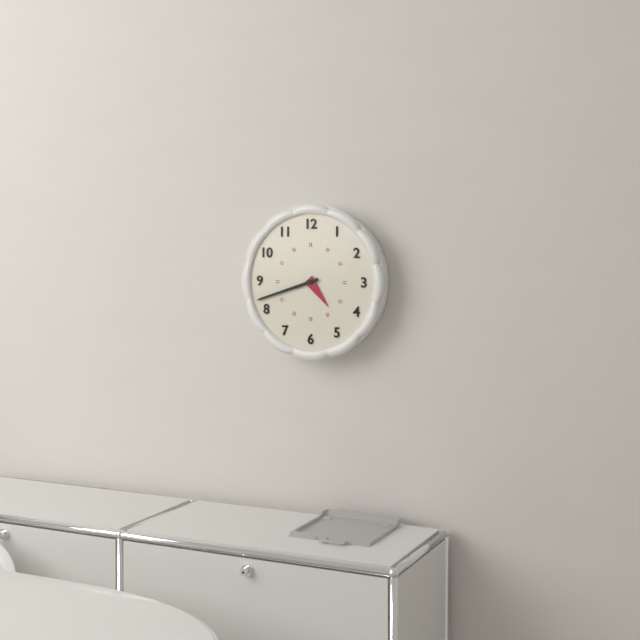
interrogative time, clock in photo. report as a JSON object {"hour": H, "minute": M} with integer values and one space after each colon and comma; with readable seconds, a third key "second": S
{"hour": 4, "minute": 42}
